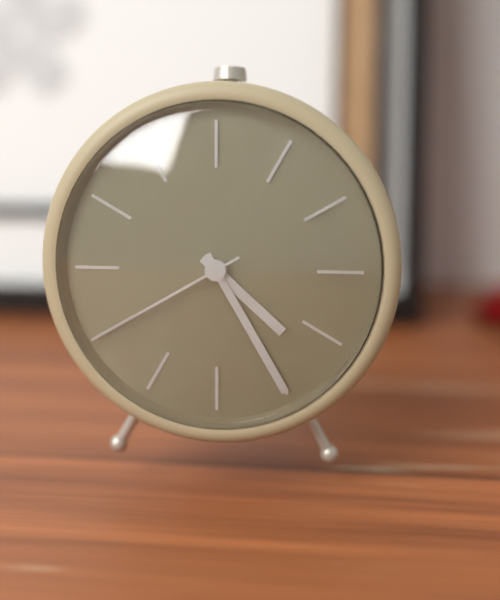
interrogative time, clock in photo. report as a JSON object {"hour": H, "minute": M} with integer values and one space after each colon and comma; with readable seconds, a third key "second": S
{"hour": 4, "minute": 25, "second": 40}
